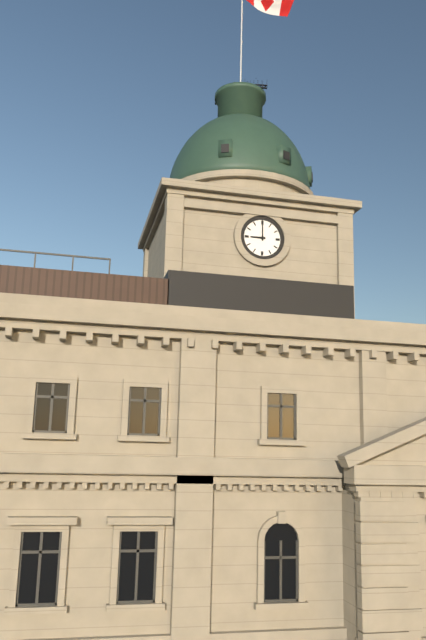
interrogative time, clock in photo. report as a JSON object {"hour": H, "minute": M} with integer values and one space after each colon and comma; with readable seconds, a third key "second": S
{"hour": 9, "minute": 0}
